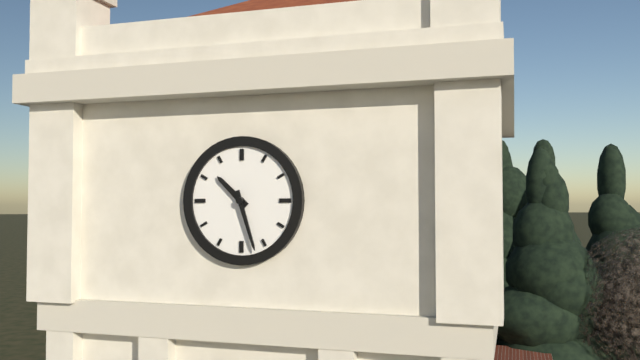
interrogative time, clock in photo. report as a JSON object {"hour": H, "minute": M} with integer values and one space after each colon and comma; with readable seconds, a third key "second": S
{"hour": 10, "minute": 27}
